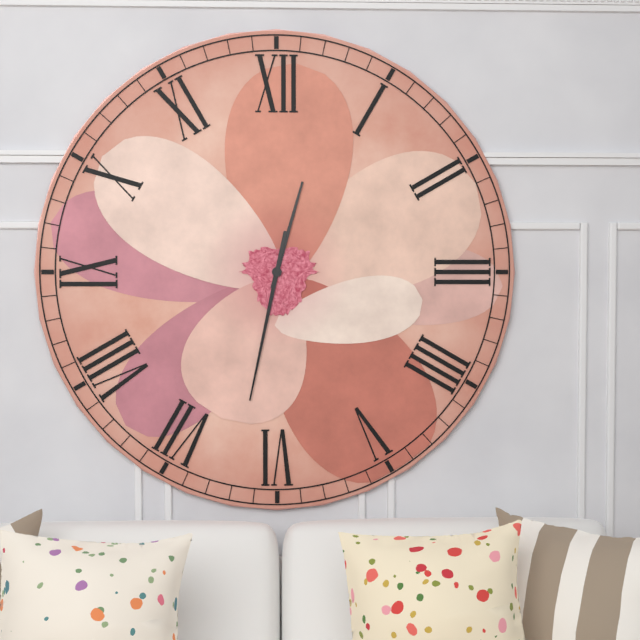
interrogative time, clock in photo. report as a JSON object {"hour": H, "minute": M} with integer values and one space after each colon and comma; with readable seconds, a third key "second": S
{"hour": 12, "minute": 32}
